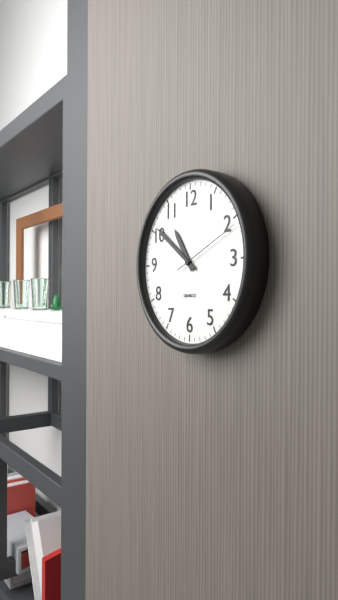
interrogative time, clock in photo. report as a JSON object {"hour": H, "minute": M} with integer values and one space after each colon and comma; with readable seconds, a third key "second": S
{"hour": 10, "minute": 51, "second": 11}
